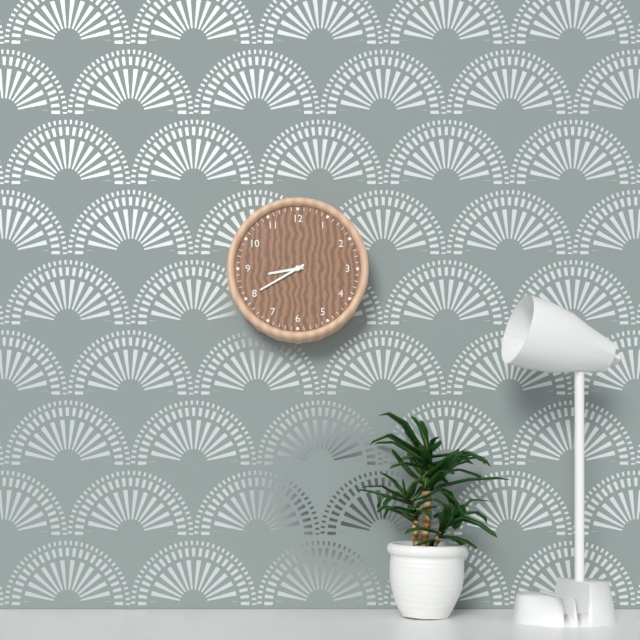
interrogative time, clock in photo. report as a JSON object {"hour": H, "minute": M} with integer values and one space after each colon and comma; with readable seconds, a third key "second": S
{"hour": 8, "minute": 40}
